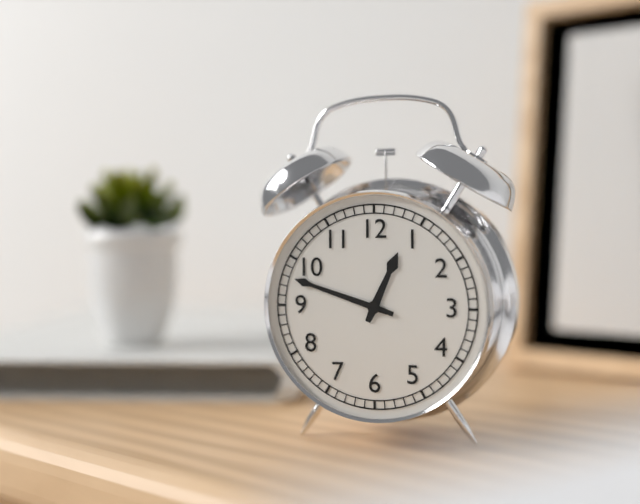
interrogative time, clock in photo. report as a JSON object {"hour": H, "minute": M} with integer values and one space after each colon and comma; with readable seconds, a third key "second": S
{"hour": 12, "minute": 48}
